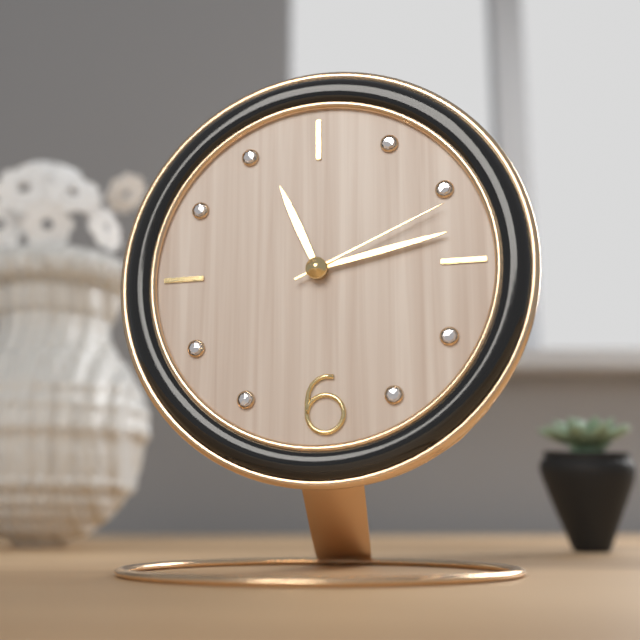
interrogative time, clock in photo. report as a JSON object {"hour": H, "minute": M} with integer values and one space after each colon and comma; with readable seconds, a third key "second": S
{"hour": 11, "minute": 13, "second": 11}
